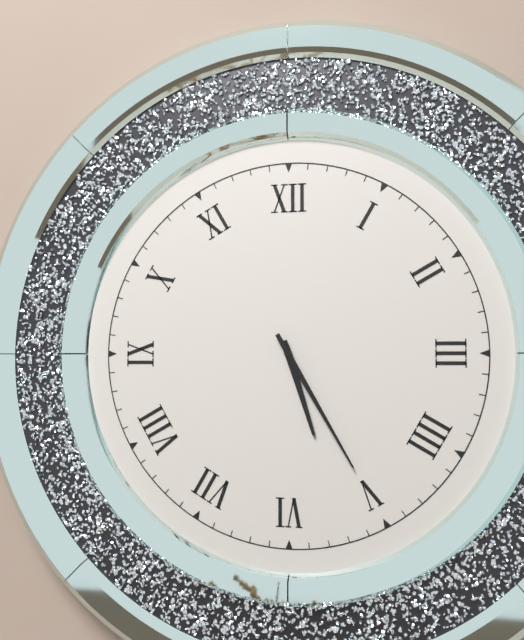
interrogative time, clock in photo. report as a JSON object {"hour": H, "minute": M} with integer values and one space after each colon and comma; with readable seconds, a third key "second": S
{"hour": 5, "minute": 25}
